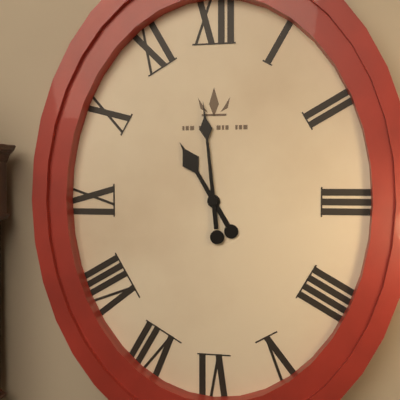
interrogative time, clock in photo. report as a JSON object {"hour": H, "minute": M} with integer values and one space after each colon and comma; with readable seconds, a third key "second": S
{"hour": 10, "minute": 59}
